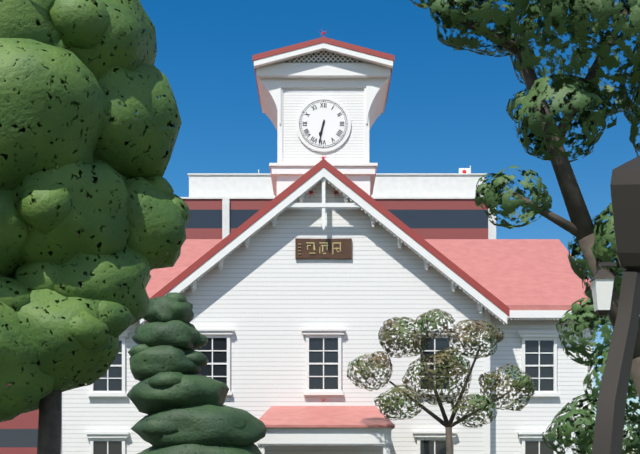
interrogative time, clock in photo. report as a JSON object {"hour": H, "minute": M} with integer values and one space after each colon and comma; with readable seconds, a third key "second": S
{"hour": 6, "minute": 32}
